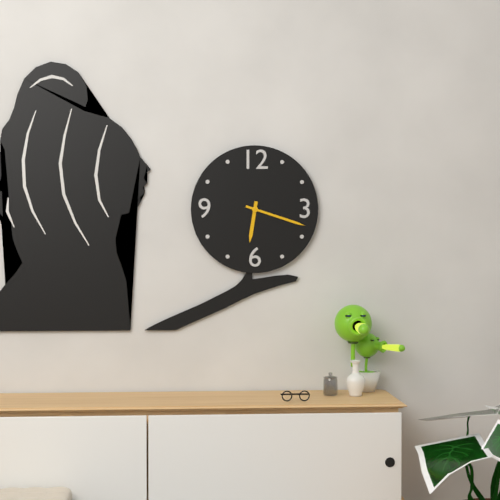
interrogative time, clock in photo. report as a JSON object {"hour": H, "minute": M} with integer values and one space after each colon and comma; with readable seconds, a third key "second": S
{"hour": 6, "minute": 18}
